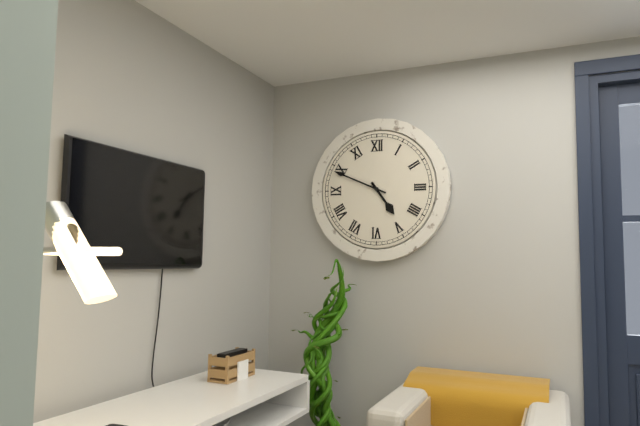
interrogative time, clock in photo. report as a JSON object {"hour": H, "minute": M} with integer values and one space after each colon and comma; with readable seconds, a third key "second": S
{"hour": 4, "minute": 49}
